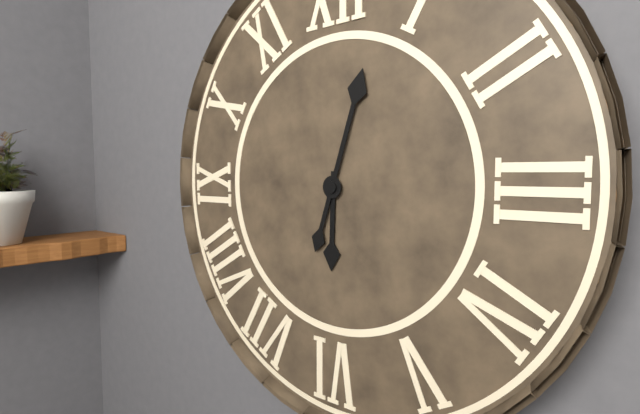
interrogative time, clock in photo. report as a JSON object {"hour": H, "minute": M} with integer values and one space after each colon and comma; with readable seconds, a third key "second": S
{"hour": 6, "minute": 3}
